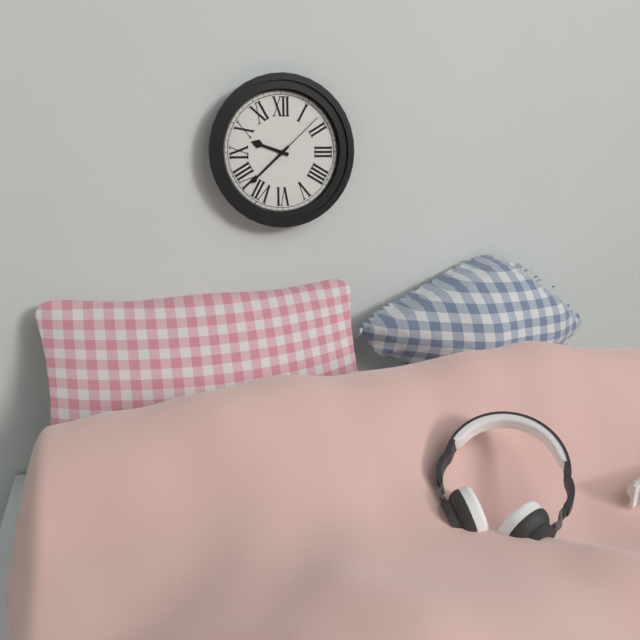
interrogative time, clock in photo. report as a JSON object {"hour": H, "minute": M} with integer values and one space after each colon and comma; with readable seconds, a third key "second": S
{"hour": 9, "minute": 38, "second": 8}
